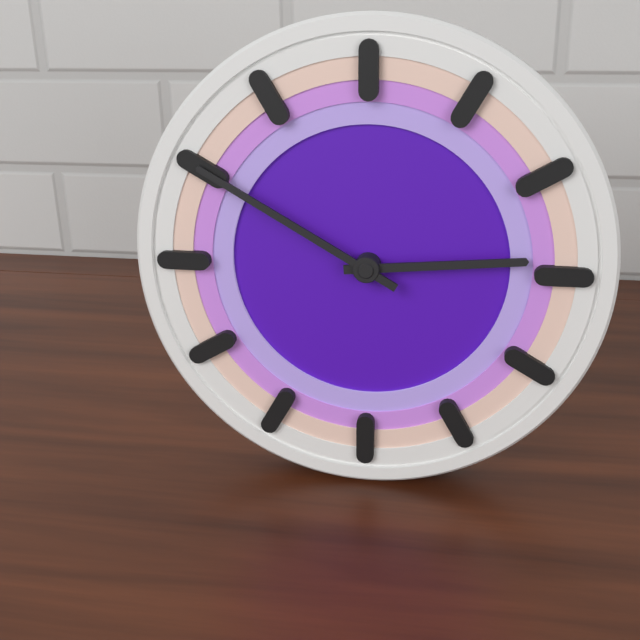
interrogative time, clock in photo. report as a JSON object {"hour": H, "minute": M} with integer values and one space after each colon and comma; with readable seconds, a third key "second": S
{"hour": 2, "minute": 50}
